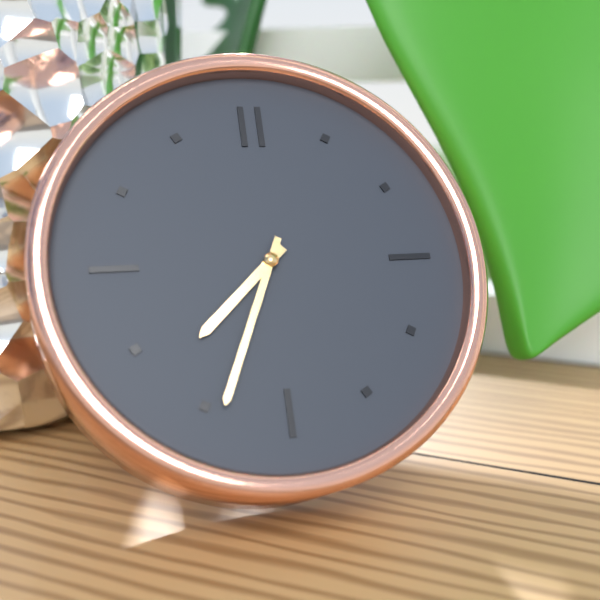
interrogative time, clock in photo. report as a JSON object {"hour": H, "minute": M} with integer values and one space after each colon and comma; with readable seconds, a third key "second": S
{"hour": 7, "minute": 34}
